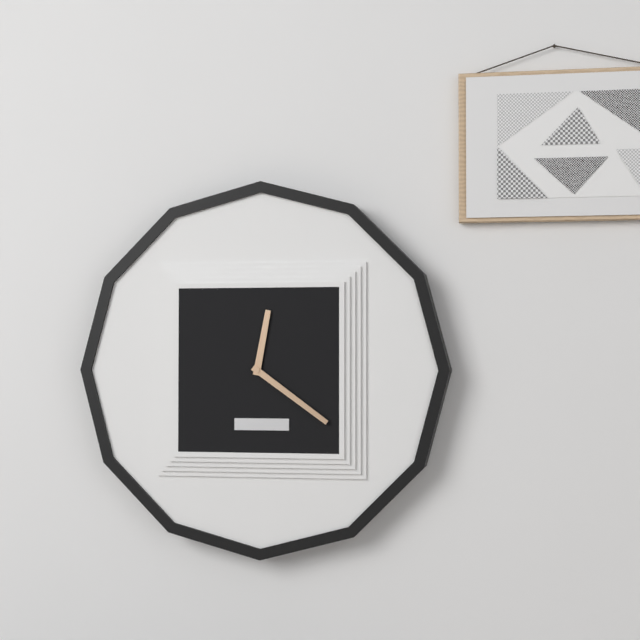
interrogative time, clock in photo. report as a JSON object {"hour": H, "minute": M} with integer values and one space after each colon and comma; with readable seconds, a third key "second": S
{"hour": 12, "minute": 21}
